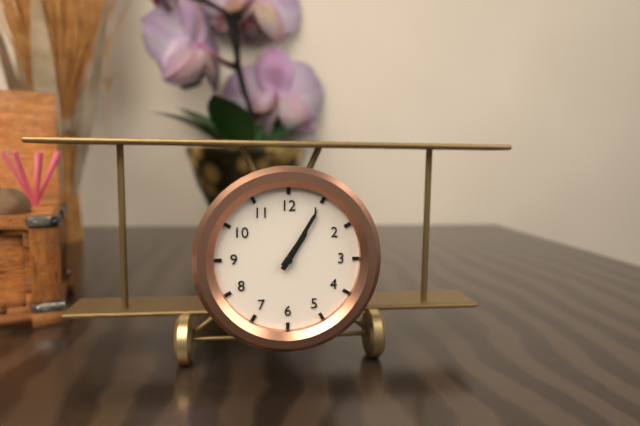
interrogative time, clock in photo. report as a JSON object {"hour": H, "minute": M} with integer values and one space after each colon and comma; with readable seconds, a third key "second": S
{"hour": 1, "minute": 5}
